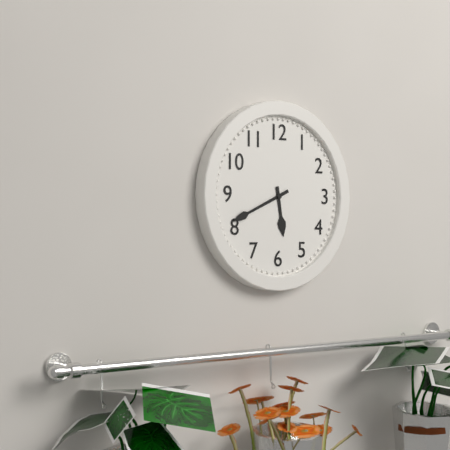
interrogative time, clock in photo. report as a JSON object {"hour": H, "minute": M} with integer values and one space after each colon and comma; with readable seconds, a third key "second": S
{"hour": 5, "minute": 41}
